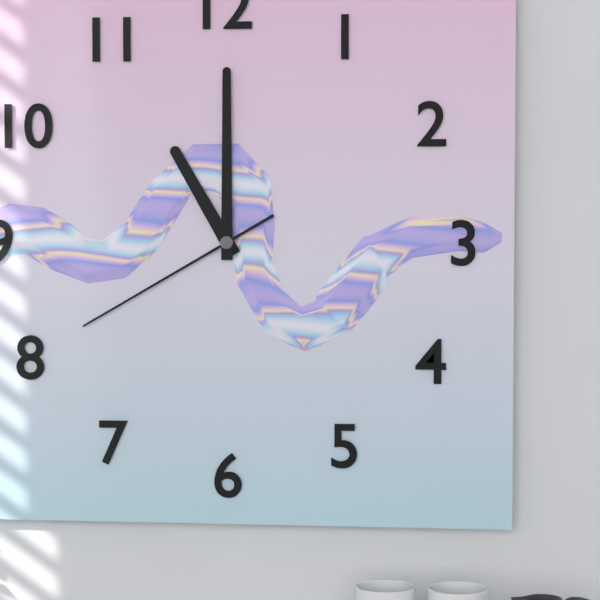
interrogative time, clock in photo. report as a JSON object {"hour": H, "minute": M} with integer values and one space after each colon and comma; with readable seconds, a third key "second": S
{"hour": 11, "minute": 0, "second": 40}
